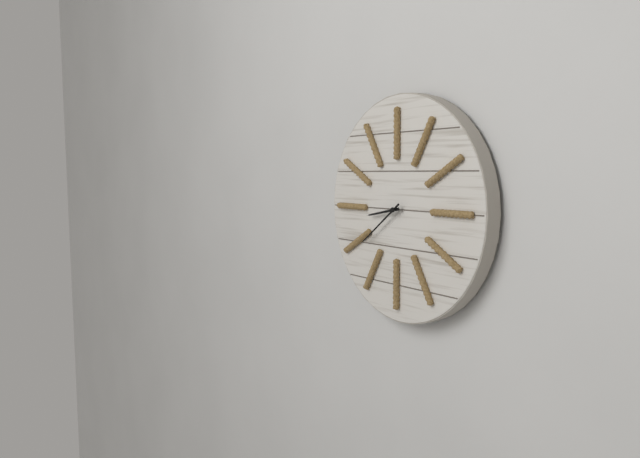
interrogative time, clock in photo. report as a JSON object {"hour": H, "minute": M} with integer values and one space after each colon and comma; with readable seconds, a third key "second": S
{"hour": 8, "minute": 39}
